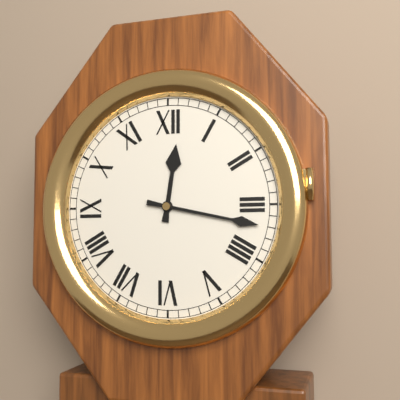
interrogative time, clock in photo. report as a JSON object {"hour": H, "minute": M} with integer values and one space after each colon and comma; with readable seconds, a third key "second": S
{"hour": 12, "minute": 17}
